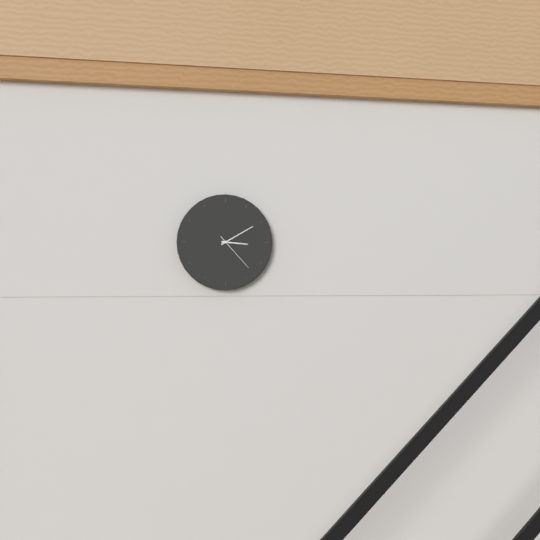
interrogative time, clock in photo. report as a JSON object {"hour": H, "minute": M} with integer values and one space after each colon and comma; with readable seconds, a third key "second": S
{"hour": 3, "minute": 10}
